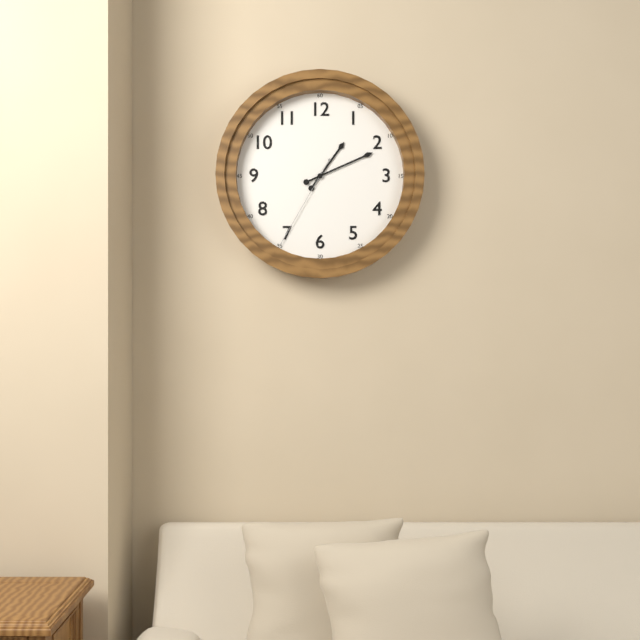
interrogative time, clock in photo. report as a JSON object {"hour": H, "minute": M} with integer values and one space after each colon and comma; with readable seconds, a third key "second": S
{"hour": 1, "minute": 11, "second": 35}
